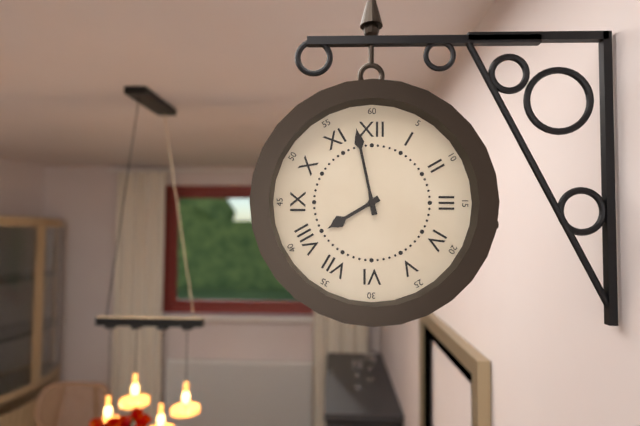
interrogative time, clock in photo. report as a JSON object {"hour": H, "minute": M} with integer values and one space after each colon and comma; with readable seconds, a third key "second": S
{"hour": 7, "minute": 58}
